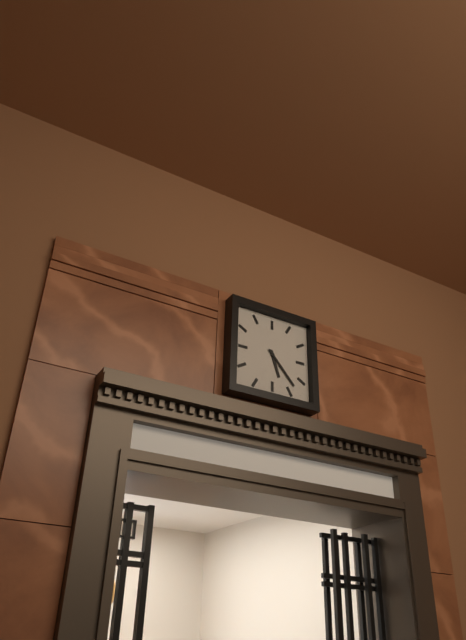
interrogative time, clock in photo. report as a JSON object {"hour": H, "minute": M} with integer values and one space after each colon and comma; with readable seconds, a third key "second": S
{"hour": 5, "minute": 23}
